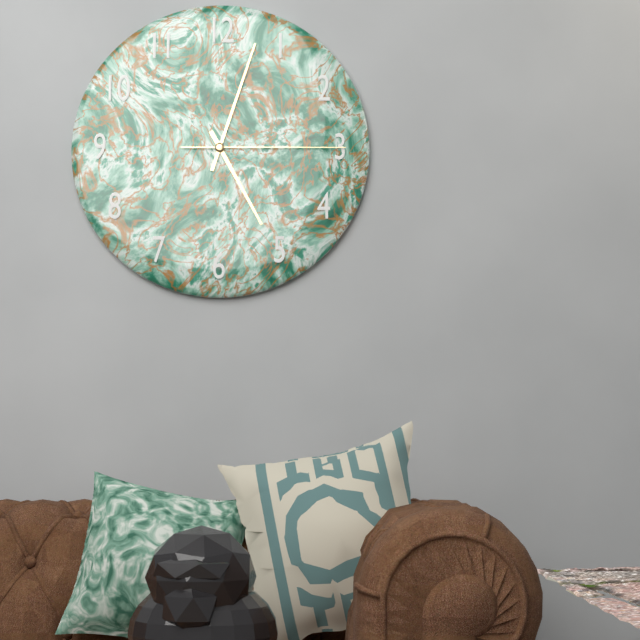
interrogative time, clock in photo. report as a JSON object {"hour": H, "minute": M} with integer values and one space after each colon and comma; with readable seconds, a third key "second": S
{"hour": 5, "minute": 3, "second": 15}
